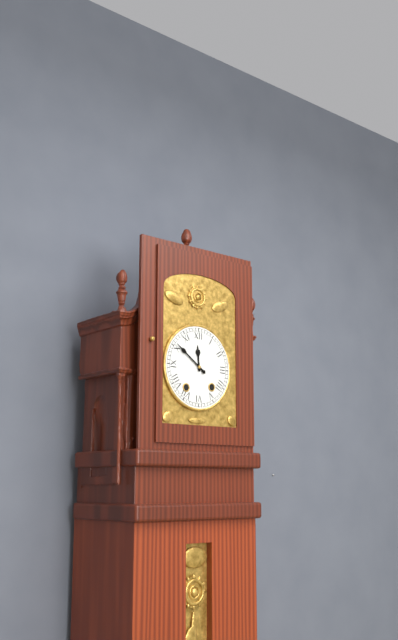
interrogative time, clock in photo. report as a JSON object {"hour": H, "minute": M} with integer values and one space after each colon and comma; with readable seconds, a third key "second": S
{"hour": 11, "minute": 51}
